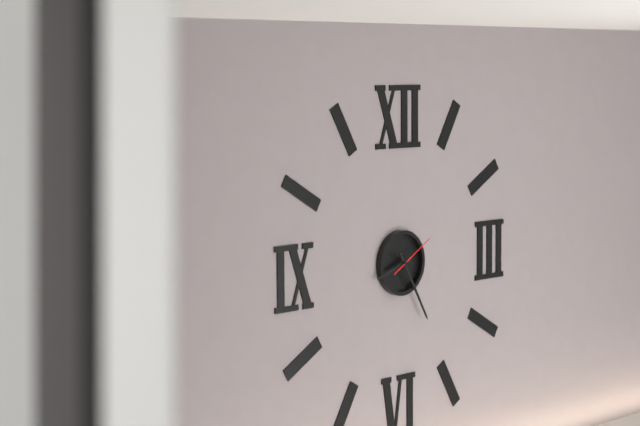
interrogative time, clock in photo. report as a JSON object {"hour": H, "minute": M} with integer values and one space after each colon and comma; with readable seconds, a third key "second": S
{"hour": 8, "minute": 25}
